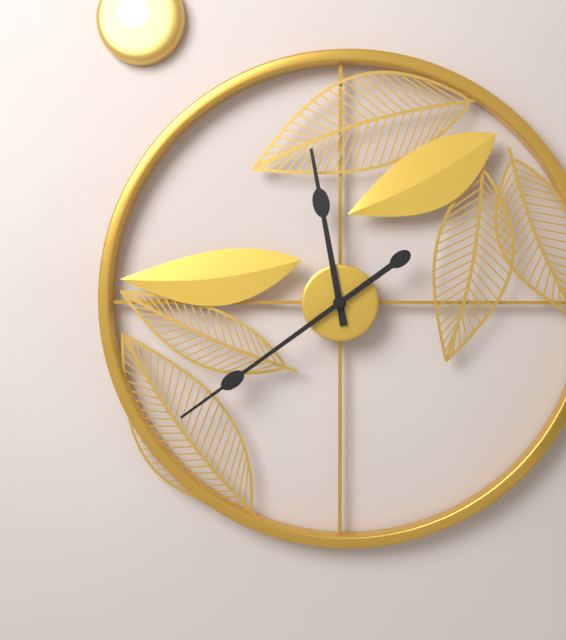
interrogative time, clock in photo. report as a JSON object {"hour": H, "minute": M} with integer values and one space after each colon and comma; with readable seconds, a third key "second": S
{"hour": 11, "minute": 39}
